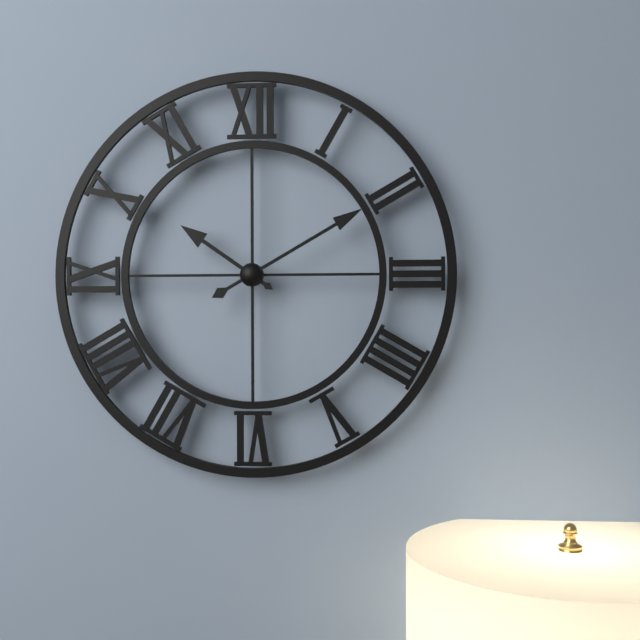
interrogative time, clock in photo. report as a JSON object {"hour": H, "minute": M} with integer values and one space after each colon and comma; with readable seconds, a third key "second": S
{"hour": 10, "minute": 10}
